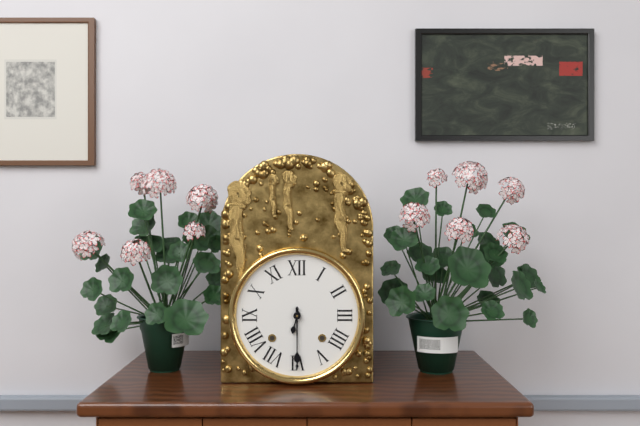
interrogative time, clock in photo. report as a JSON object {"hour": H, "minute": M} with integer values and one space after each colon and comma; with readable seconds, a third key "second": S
{"hour": 6, "minute": 30}
